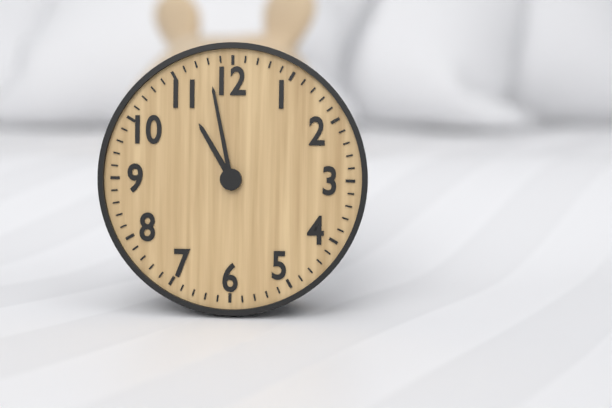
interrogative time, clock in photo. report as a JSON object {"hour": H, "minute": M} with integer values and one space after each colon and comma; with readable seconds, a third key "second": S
{"hour": 10, "minute": 58}
